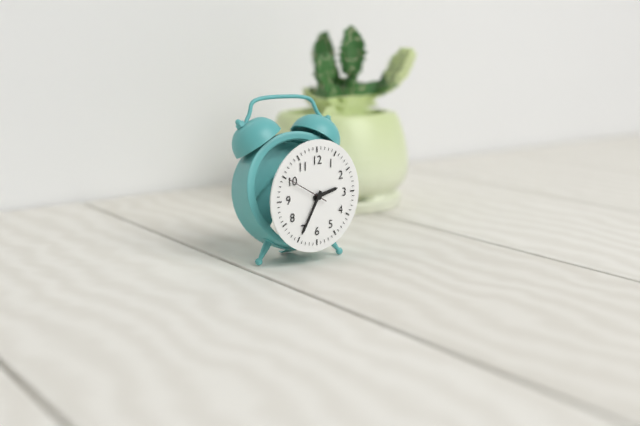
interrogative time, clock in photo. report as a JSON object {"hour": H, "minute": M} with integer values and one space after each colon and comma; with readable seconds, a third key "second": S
{"hour": 2, "minute": 35}
